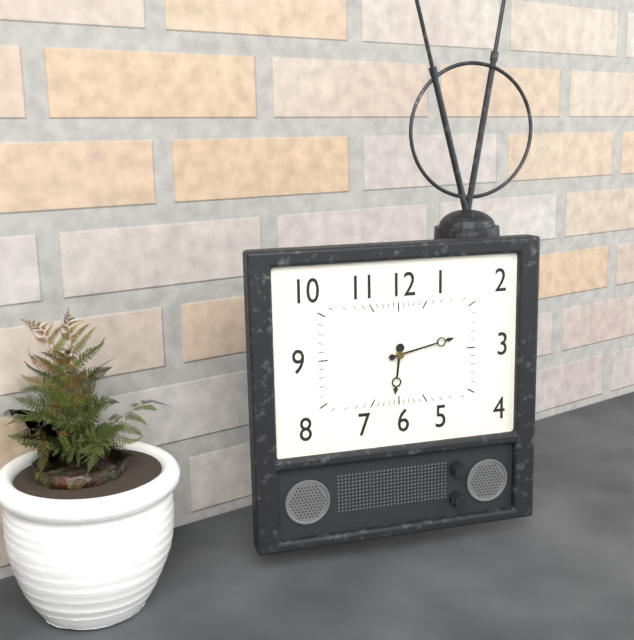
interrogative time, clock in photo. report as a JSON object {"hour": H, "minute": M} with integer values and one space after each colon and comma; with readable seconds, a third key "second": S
{"hour": 6, "minute": 13}
